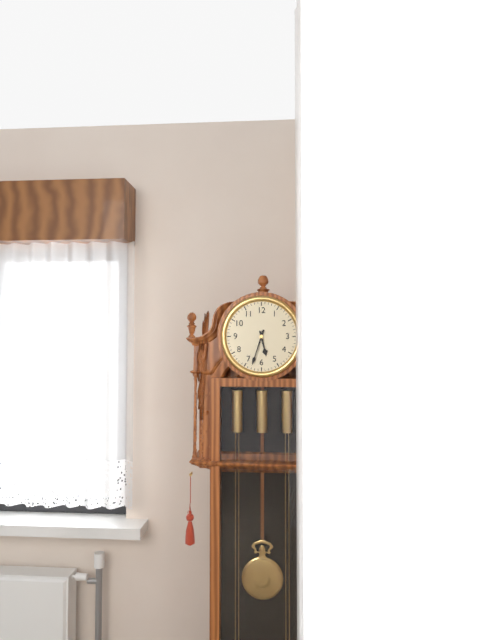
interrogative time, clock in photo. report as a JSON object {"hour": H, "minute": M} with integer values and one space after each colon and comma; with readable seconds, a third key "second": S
{"hour": 5, "minute": 33}
